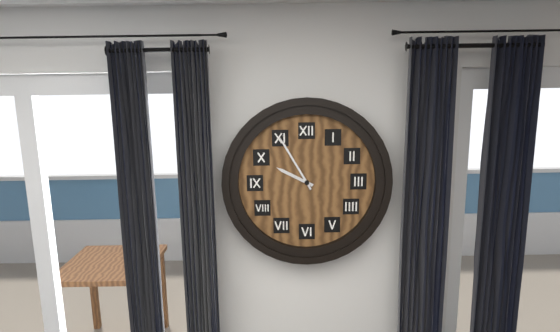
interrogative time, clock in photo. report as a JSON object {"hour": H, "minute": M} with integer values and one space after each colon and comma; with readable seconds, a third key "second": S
{"hour": 9, "minute": 55}
